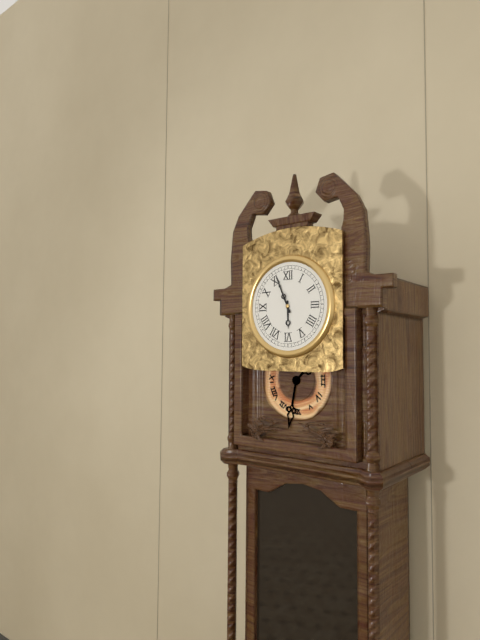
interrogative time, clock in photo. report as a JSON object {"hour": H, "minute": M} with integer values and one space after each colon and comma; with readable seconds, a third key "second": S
{"hour": 5, "minute": 56}
